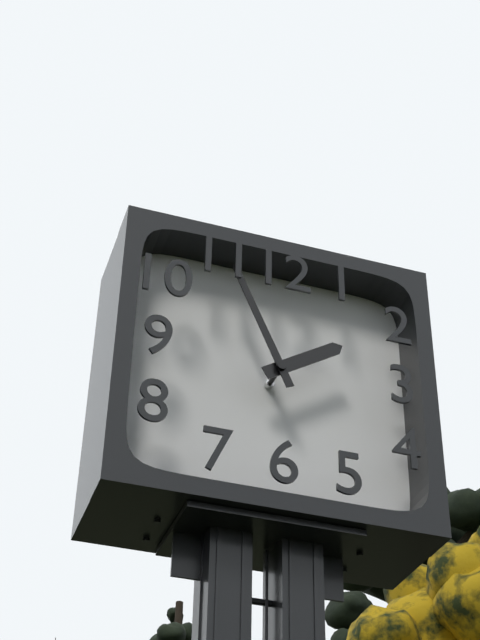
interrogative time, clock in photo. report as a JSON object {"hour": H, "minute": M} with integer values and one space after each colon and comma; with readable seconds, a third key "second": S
{"hour": 1, "minute": 56}
